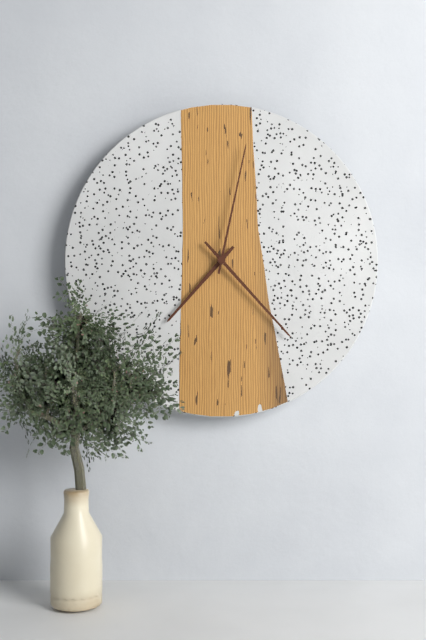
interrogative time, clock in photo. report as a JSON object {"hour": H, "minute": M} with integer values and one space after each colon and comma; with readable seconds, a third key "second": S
{"hour": 7, "minute": 23, "second": 2}
